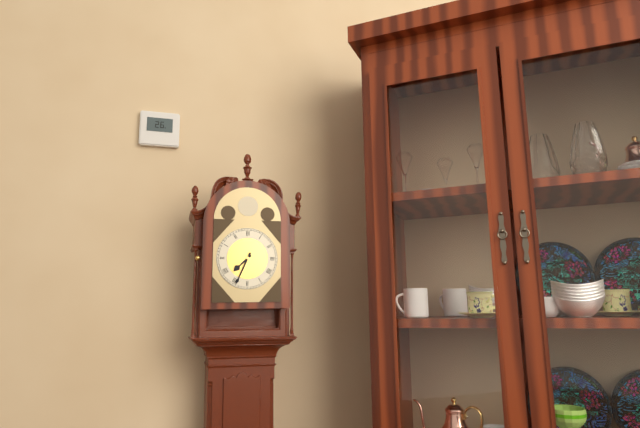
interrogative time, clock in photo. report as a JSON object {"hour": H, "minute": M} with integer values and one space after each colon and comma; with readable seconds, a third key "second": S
{"hour": 7, "minute": 34}
